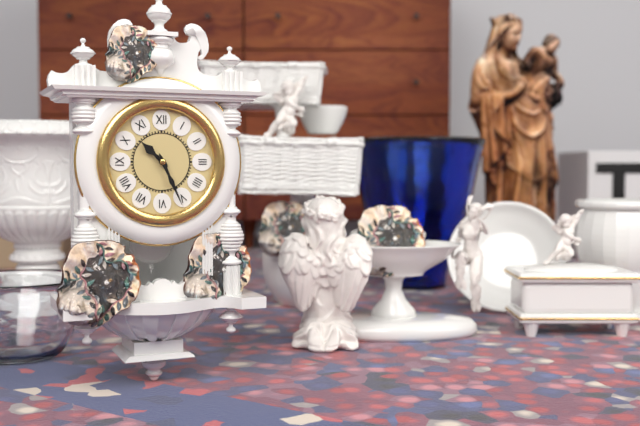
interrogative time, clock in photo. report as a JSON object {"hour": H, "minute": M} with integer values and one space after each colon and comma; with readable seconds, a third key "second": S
{"hour": 10, "minute": 26}
